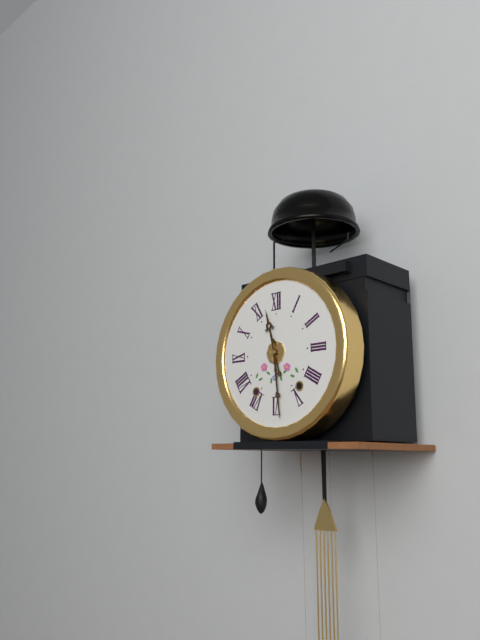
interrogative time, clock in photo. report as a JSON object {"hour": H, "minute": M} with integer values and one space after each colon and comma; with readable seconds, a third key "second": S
{"hour": 11, "minute": 29}
